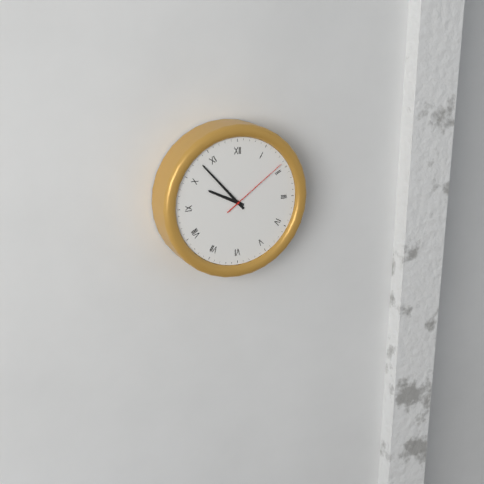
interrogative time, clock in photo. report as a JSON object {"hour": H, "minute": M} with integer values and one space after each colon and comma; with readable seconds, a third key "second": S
{"hour": 9, "minute": 53, "second": 9}
